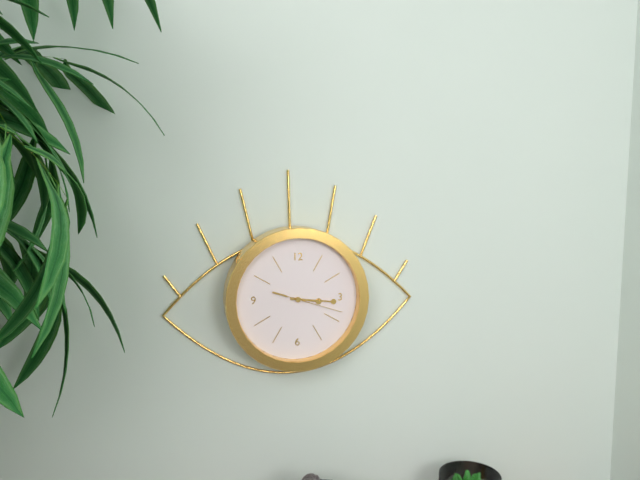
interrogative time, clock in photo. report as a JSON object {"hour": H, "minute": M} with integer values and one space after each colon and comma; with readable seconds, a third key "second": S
{"hour": 3, "minute": 16, "second": 18}
